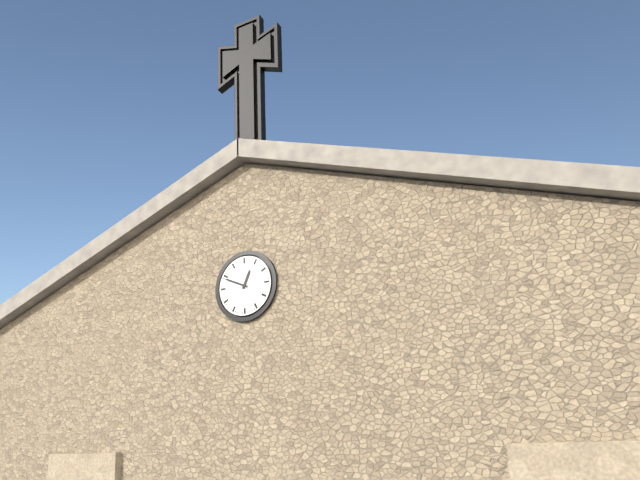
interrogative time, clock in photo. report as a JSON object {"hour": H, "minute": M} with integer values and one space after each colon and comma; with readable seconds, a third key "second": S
{"hour": 12, "minute": 49}
